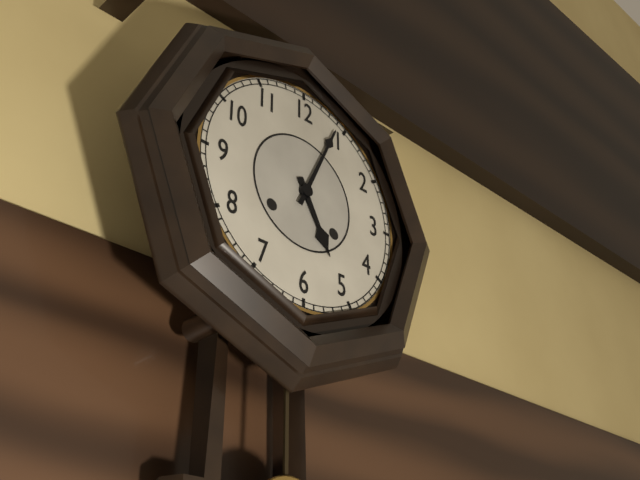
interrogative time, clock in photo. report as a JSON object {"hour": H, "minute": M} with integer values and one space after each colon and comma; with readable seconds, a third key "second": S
{"hour": 5, "minute": 4}
